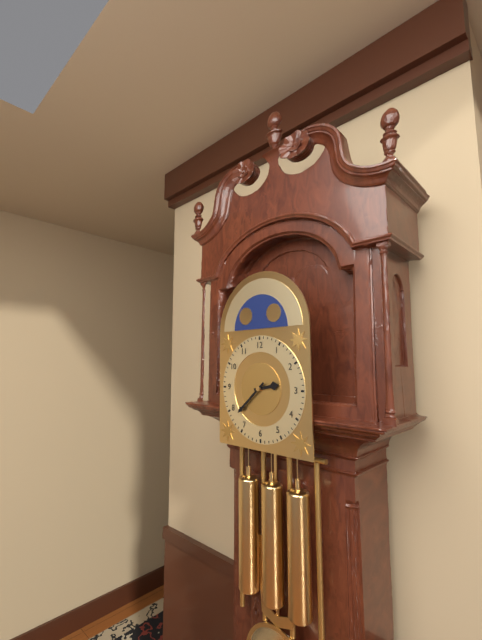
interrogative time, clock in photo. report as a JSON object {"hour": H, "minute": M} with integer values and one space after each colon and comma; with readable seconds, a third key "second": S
{"hour": 2, "minute": 38}
